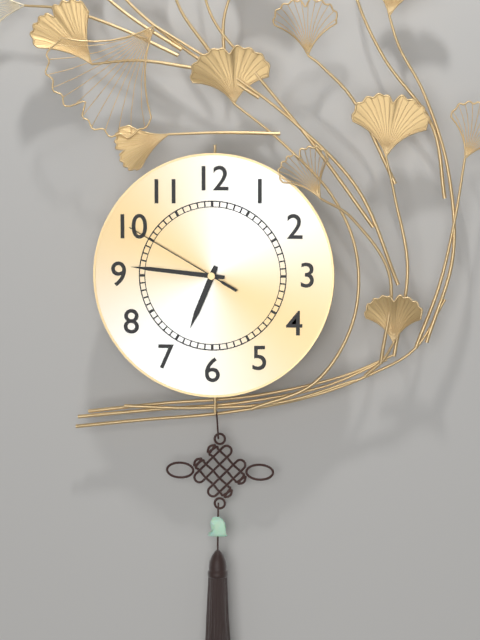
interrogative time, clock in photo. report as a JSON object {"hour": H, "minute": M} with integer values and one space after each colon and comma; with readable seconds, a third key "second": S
{"hour": 6, "minute": 46, "second": 50}
